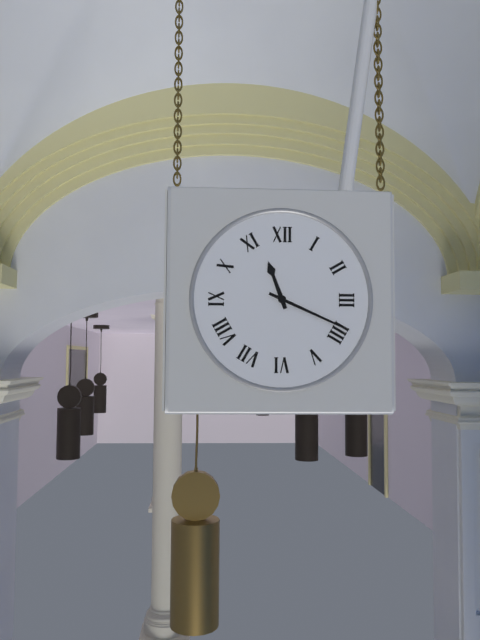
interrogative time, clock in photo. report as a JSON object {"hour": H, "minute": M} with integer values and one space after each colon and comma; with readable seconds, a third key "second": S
{"hour": 11, "minute": 19}
